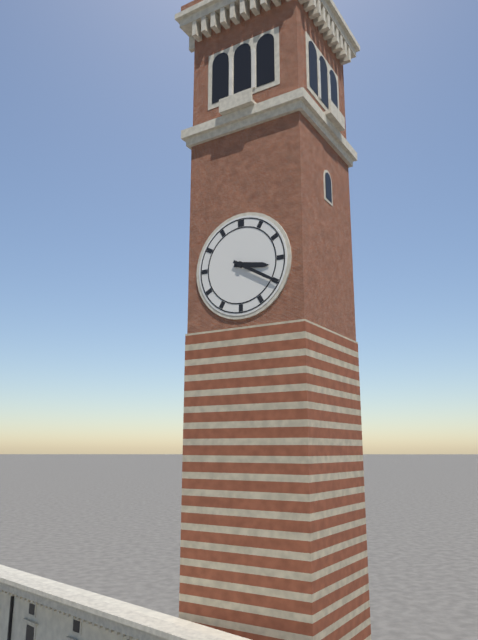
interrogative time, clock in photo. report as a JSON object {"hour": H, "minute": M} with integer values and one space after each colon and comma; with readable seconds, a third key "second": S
{"hour": 3, "minute": 20}
